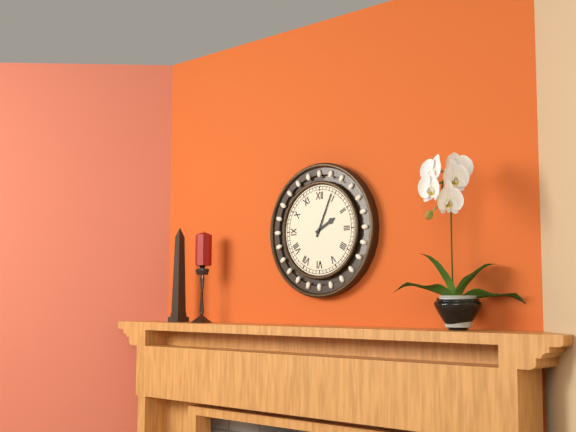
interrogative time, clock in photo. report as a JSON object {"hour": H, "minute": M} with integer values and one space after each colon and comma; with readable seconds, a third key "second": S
{"hour": 2, "minute": 4}
